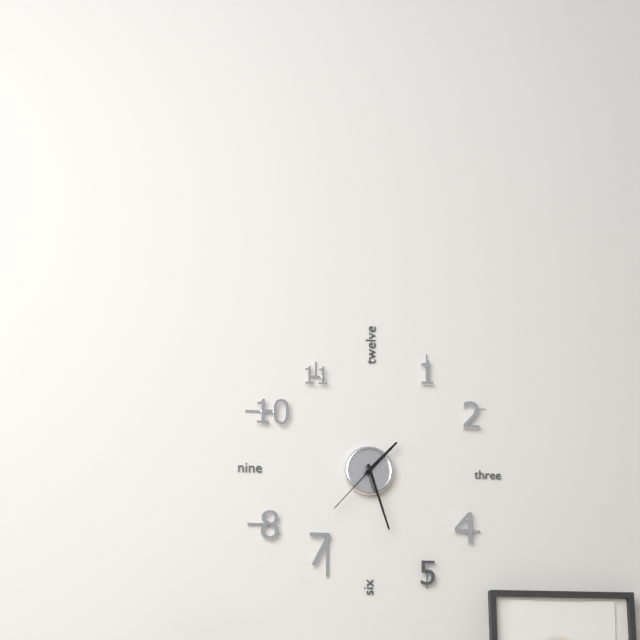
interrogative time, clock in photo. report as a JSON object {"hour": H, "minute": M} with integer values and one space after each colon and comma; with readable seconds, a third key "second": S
{"hour": 1, "minute": 27, "second": 37}
